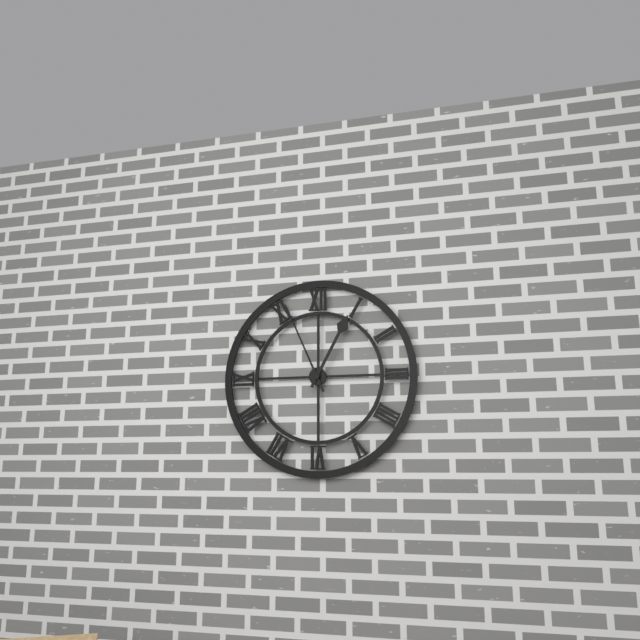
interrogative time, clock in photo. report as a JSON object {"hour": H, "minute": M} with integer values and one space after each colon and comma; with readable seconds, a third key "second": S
{"hour": 12, "minute": 56}
